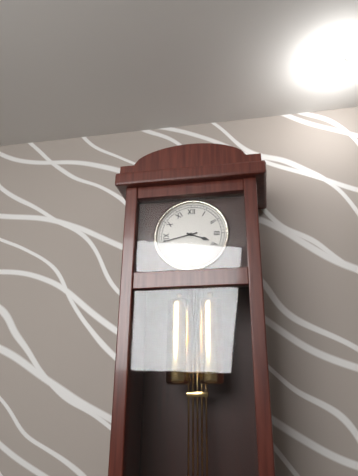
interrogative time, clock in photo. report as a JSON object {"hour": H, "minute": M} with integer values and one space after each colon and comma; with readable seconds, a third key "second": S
{"hour": 3, "minute": 43}
